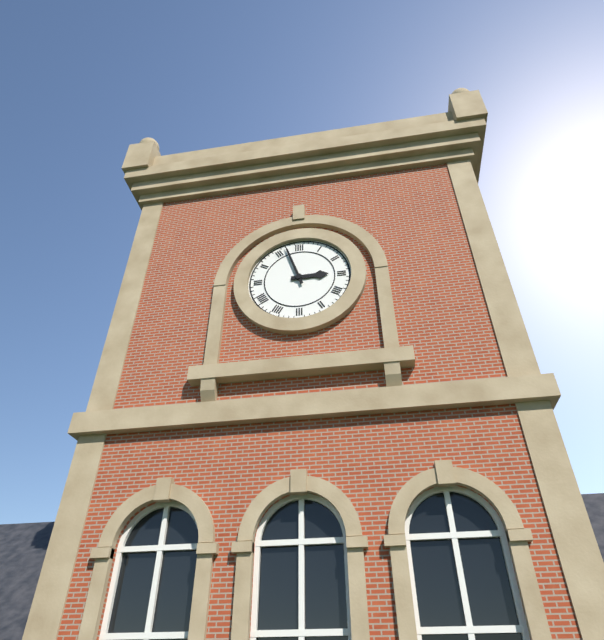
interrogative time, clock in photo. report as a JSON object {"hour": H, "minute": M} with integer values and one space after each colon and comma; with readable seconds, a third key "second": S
{"hour": 2, "minute": 57}
